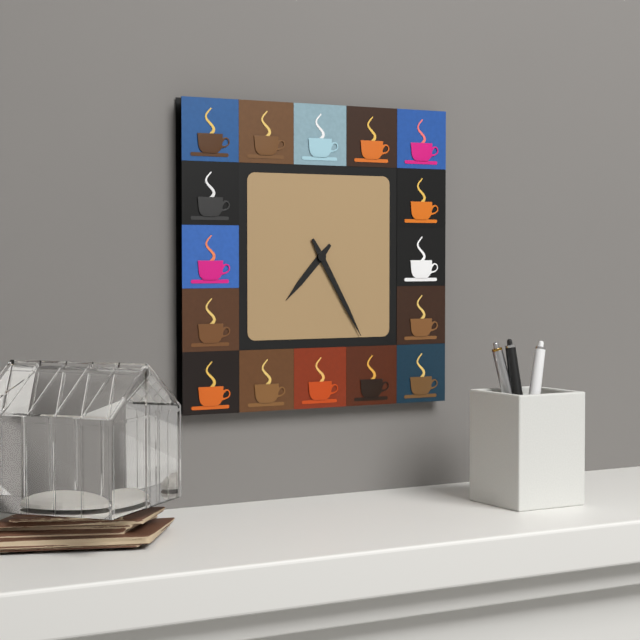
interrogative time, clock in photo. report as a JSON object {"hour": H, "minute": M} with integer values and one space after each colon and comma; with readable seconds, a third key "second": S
{"hour": 7, "minute": 25}
